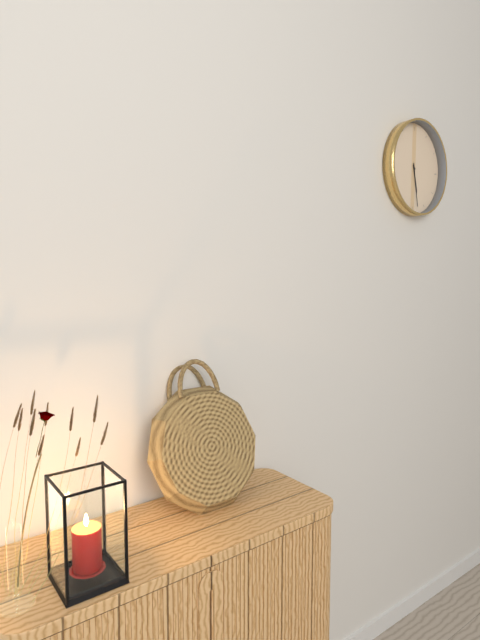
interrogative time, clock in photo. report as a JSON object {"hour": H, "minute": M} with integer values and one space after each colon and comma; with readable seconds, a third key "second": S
{"hour": 5, "minute": 28}
